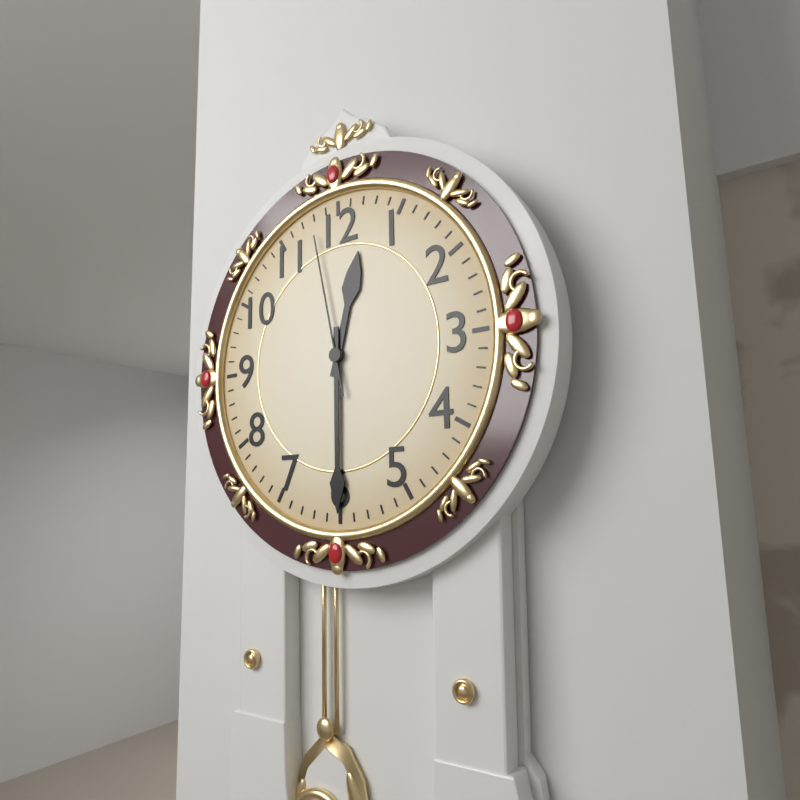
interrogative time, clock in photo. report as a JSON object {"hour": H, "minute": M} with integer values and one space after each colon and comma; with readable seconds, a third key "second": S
{"hour": 12, "minute": 30, "second": 58}
